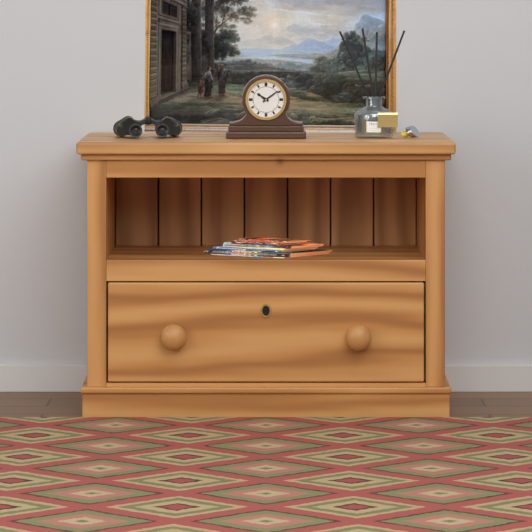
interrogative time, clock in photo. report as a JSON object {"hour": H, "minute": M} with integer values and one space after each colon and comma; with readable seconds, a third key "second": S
{"hour": 10, "minute": 9}
